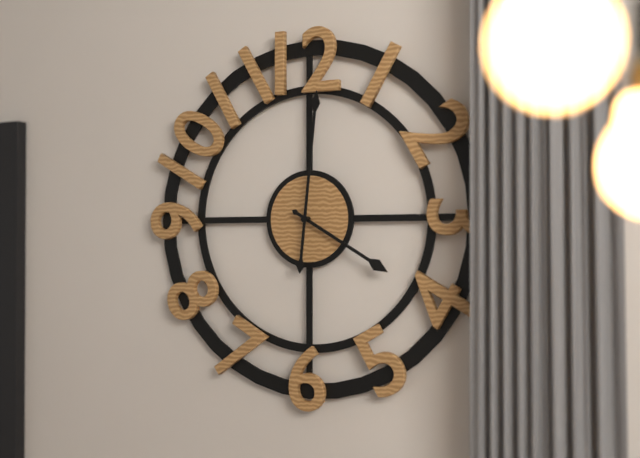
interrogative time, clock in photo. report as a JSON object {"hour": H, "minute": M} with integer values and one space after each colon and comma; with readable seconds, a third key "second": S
{"hour": 4, "minute": 1}
